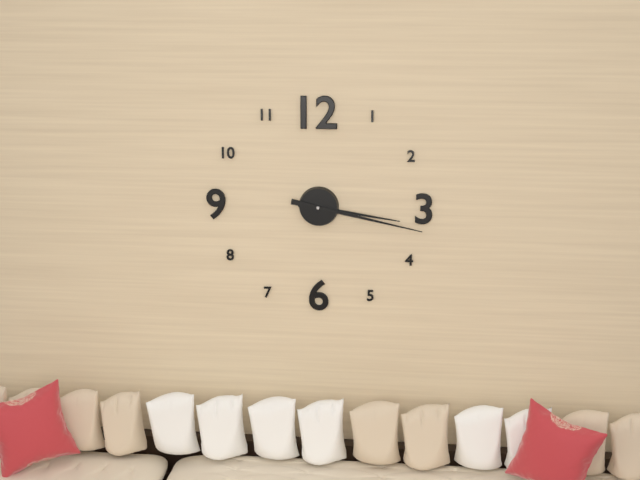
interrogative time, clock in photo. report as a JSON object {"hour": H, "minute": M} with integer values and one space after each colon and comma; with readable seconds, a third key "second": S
{"hour": 3, "minute": 17}
